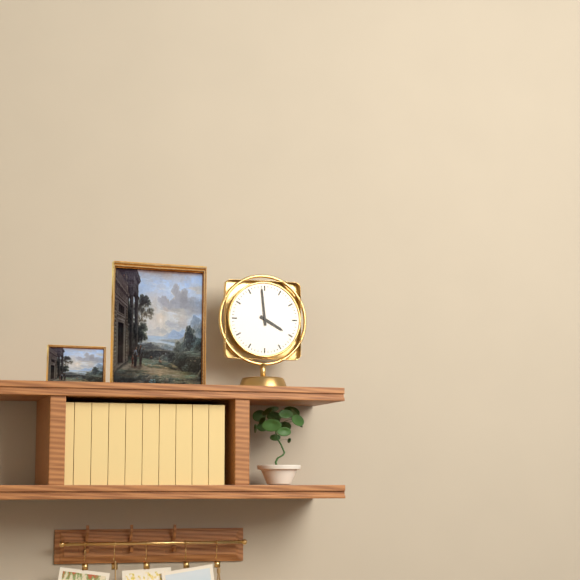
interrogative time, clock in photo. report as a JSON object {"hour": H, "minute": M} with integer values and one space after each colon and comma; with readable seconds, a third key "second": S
{"hour": 3, "minute": 59}
